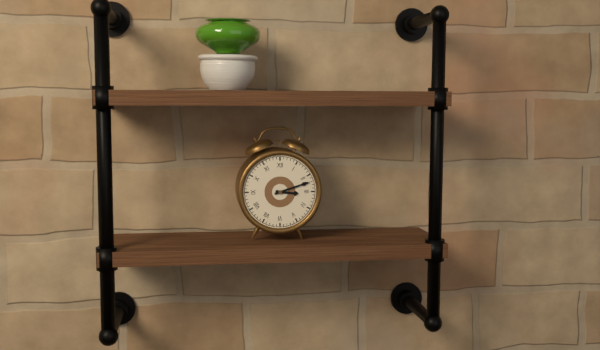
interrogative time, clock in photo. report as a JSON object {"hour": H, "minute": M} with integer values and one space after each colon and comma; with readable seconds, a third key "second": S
{"hour": 3, "minute": 12}
